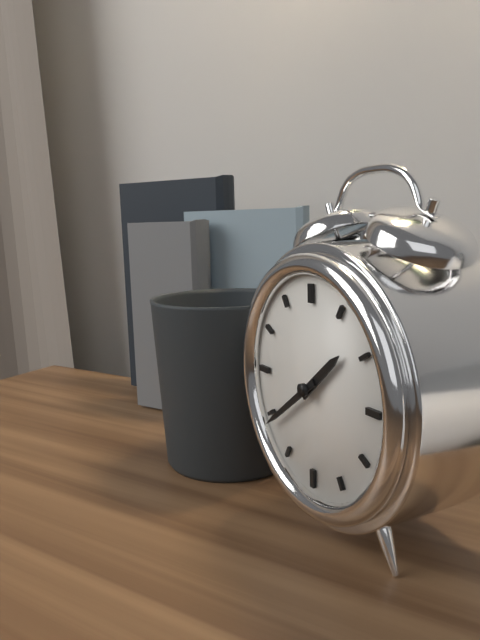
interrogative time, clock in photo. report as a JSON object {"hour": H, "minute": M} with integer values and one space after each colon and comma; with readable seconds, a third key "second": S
{"hour": 1, "minute": 39}
